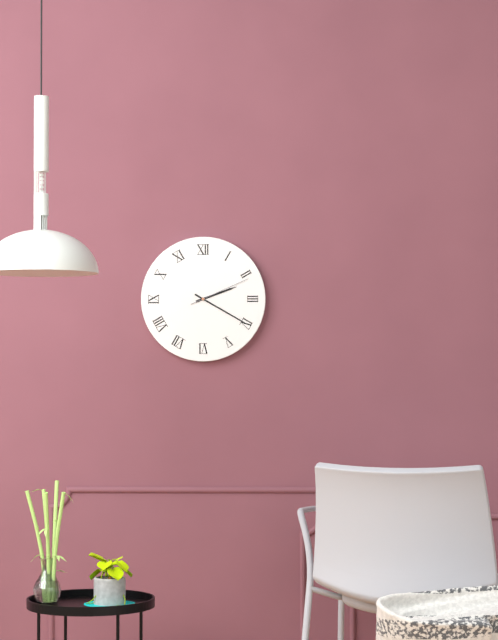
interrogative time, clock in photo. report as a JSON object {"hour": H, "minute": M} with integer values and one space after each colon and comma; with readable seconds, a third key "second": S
{"hour": 2, "minute": 20, "second": 11}
